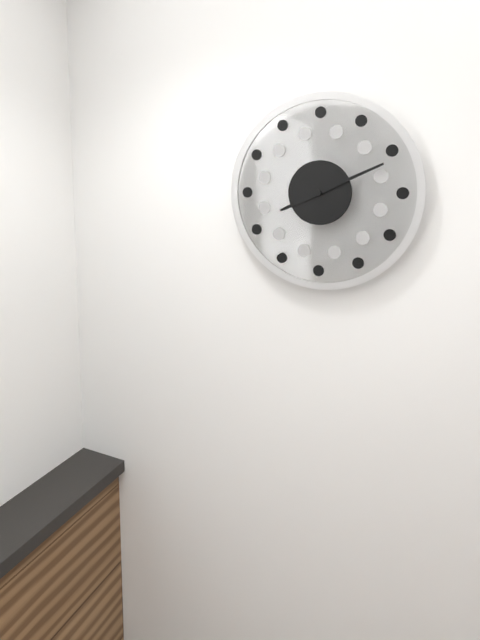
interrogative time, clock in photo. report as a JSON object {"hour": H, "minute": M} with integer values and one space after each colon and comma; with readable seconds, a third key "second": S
{"hour": 8, "minute": 11}
